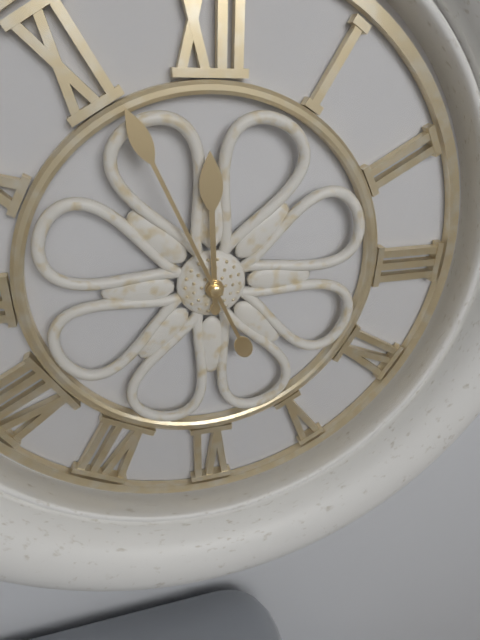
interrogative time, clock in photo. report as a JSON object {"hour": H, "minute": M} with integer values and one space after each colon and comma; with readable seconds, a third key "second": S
{"hour": 11, "minute": 56}
